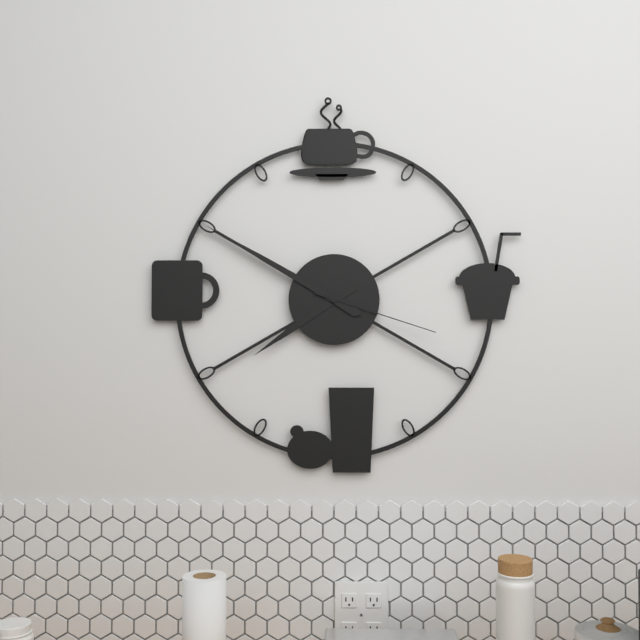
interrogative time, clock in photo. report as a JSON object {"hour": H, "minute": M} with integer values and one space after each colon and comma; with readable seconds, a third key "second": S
{"hour": 7, "minute": 50, "second": 18}
